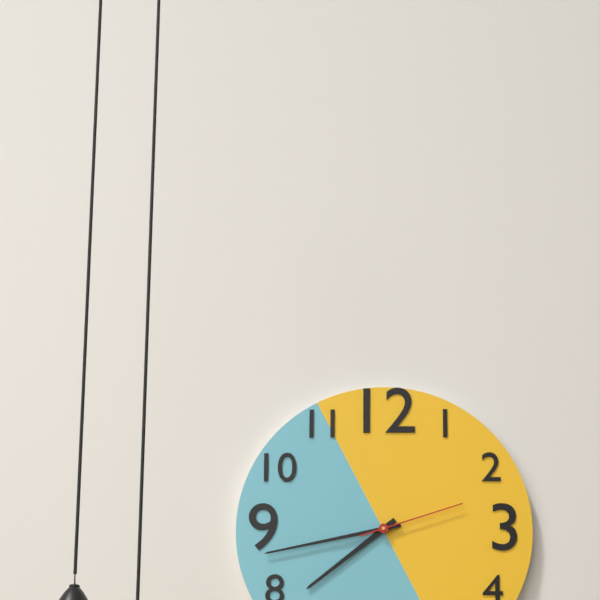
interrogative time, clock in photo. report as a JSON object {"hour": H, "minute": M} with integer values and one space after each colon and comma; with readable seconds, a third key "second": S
{"hour": 7, "minute": 43, "second": 12}
